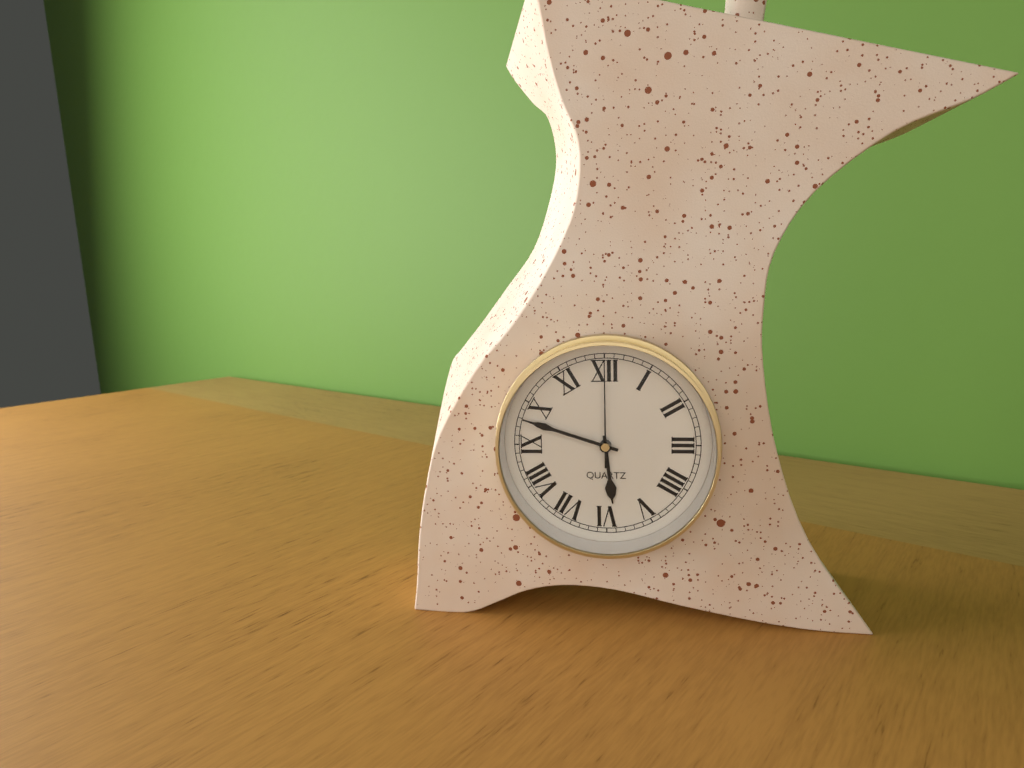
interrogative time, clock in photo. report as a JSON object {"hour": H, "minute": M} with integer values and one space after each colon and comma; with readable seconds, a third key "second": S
{"hour": 5, "minute": 48, "second": 0}
